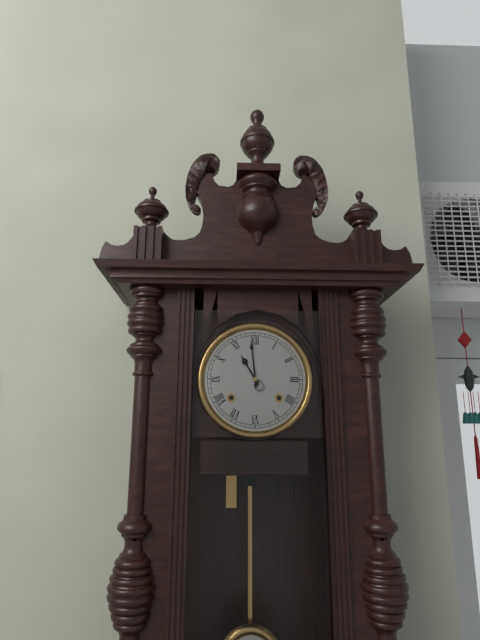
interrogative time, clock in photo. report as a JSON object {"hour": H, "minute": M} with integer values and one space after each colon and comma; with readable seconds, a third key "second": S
{"hour": 10, "minute": 59}
